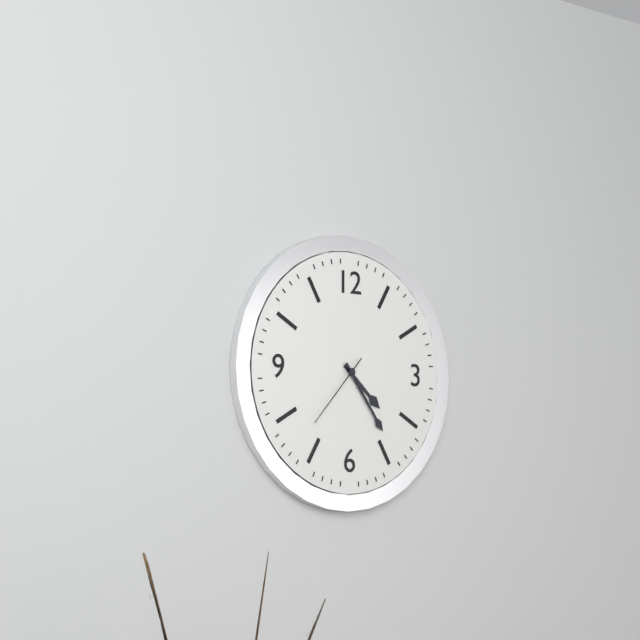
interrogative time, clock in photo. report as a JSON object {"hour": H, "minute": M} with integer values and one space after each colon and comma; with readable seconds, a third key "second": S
{"hour": 4, "minute": 24, "second": 37}
